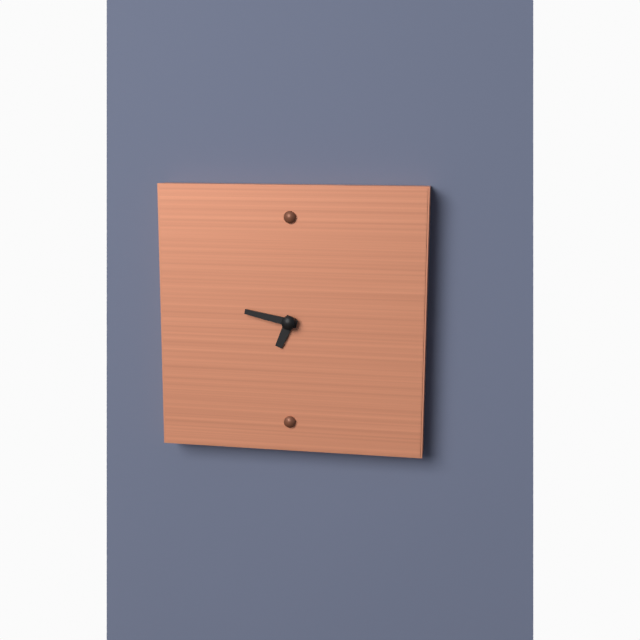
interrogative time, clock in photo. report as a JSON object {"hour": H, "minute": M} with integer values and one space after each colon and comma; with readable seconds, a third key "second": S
{"hour": 6, "minute": 47}
